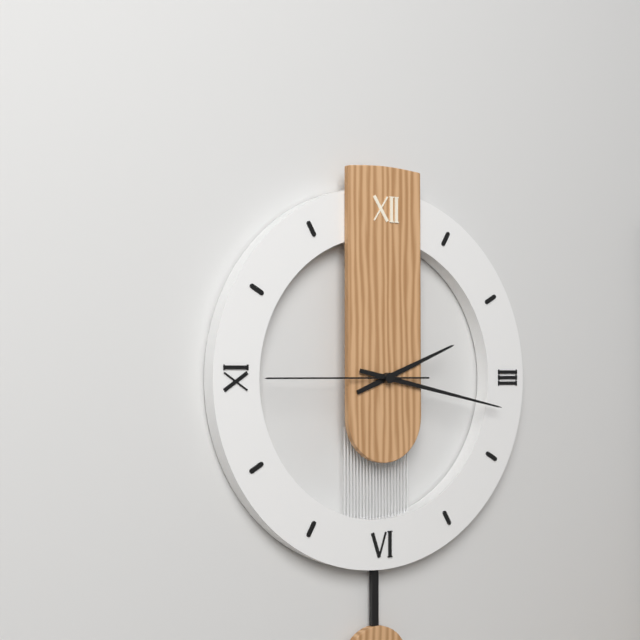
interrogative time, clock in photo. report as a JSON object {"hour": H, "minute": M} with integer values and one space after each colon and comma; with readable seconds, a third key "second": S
{"hour": 2, "minute": 17, "second": 45}
